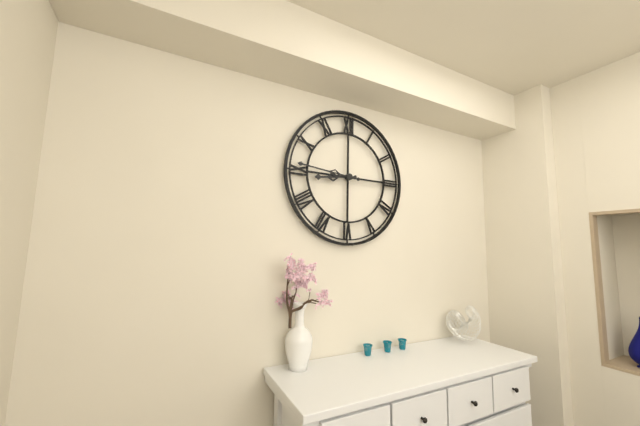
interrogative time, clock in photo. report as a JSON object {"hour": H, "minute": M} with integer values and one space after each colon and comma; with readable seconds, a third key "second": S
{"hour": 8, "minute": 46}
